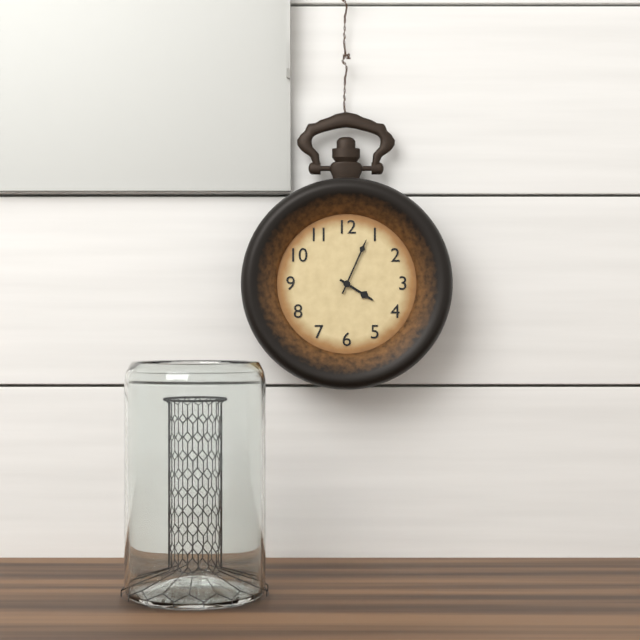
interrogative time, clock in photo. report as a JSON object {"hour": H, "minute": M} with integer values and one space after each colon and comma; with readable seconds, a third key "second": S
{"hour": 4, "minute": 4}
